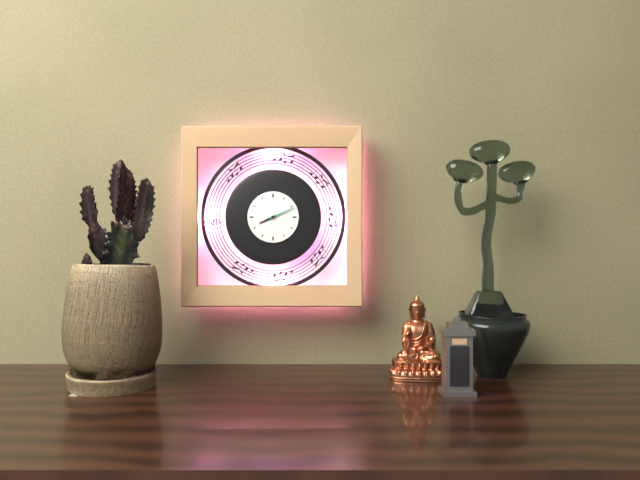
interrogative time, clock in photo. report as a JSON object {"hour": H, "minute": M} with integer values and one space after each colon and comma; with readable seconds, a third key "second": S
{"hour": 8, "minute": 11}
